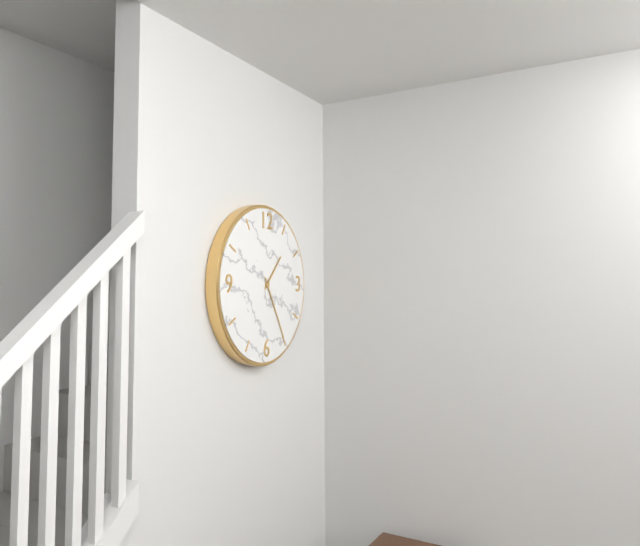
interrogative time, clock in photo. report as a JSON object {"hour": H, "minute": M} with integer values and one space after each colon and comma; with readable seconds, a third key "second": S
{"hour": 1, "minute": 25}
